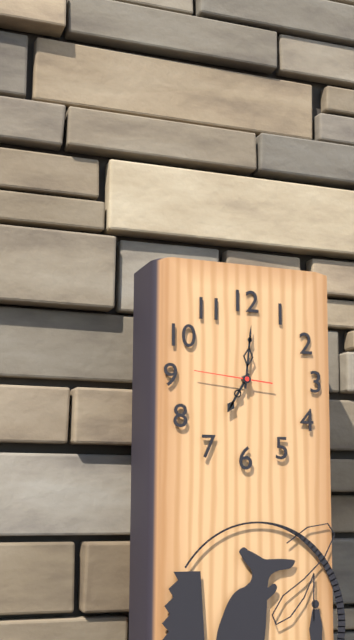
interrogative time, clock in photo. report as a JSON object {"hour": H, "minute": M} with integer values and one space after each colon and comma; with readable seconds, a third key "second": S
{"hour": 7, "minute": 1, "second": 46}
